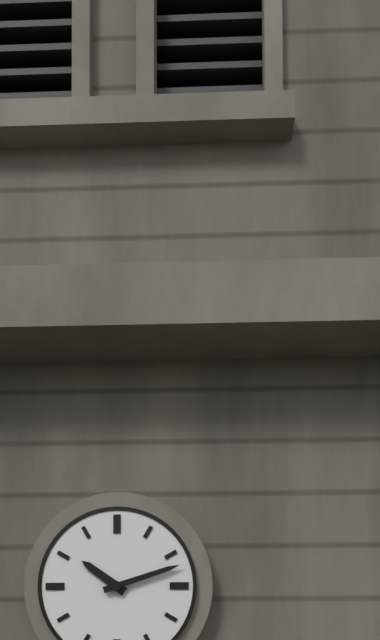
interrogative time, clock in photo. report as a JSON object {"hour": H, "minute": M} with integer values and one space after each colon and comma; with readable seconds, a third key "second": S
{"hour": 10, "minute": 12}
